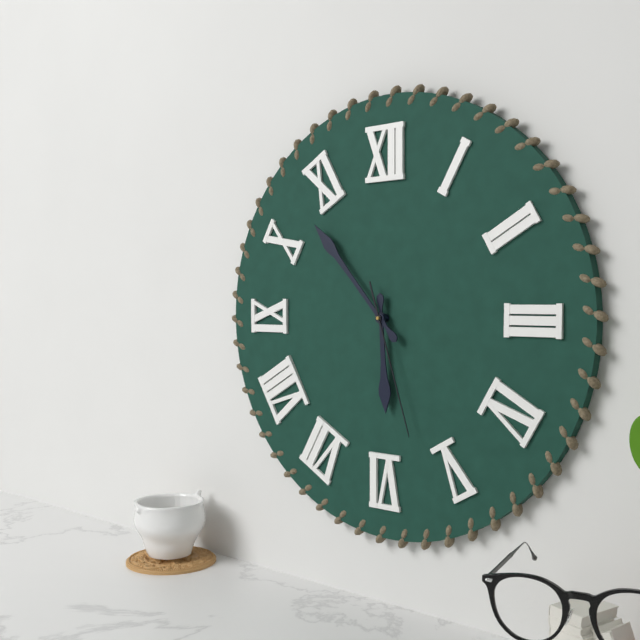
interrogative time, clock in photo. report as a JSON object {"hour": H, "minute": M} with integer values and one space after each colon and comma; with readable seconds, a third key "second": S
{"hour": 5, "minute": 53, "second": 27}
